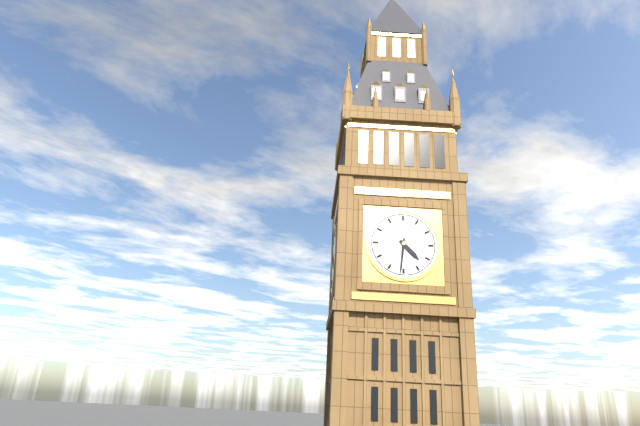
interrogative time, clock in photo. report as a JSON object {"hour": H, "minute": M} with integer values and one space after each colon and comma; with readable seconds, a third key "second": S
{"hour": 4, "minute": 31}
